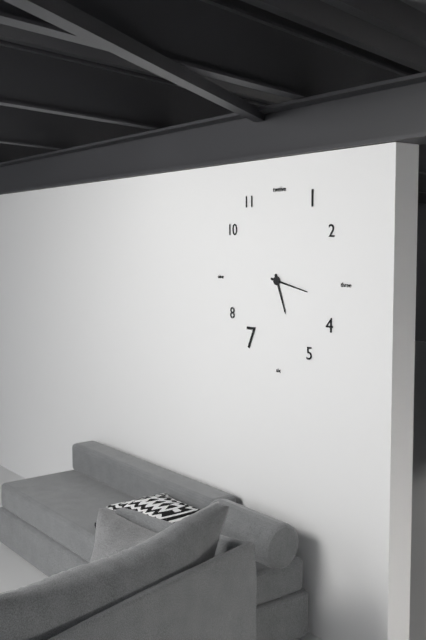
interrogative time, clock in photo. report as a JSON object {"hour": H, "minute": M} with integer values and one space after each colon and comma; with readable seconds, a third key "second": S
{"hour": 5, "minute": 17}
